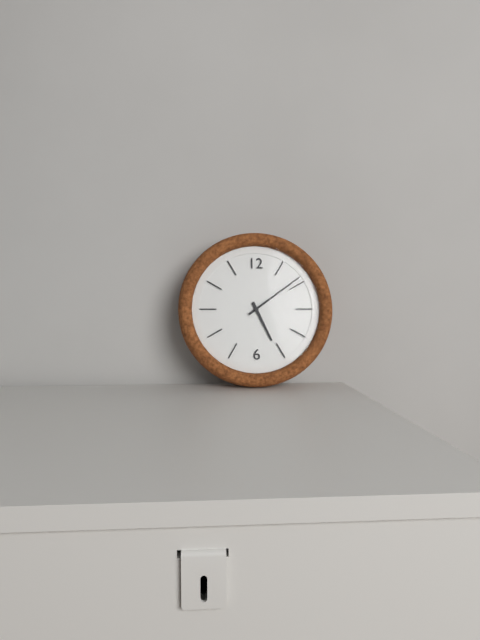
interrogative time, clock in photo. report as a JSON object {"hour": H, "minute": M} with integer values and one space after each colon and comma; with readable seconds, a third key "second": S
{"hour": 5, "minute": 9}
